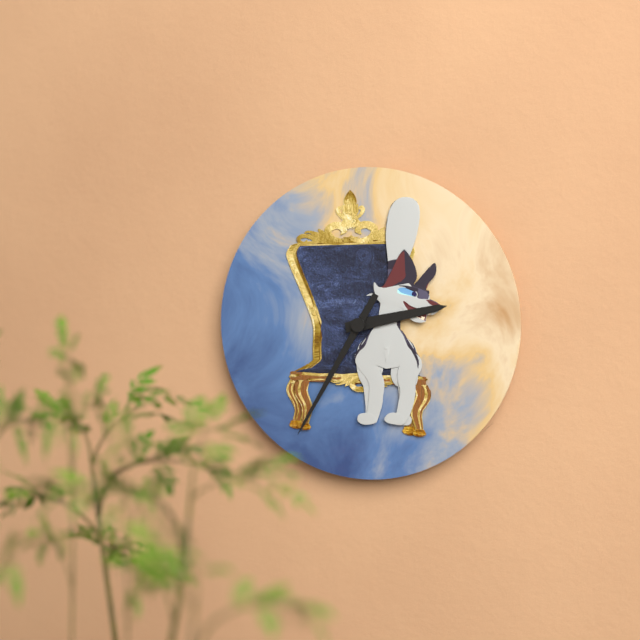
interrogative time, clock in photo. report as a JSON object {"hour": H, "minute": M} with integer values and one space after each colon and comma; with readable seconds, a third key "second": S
{"hour": 2, "minute": 35}
